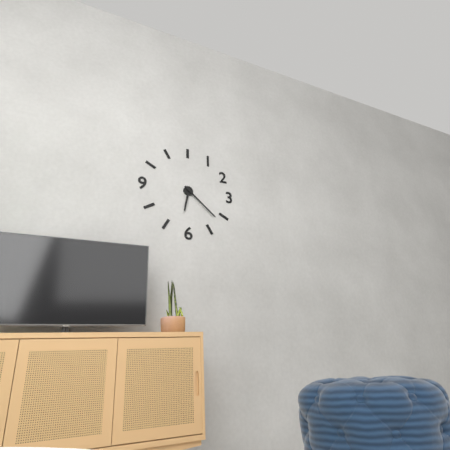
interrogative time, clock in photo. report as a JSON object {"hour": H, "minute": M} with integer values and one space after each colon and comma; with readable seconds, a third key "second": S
{"hour": 6, "minute": 22}
